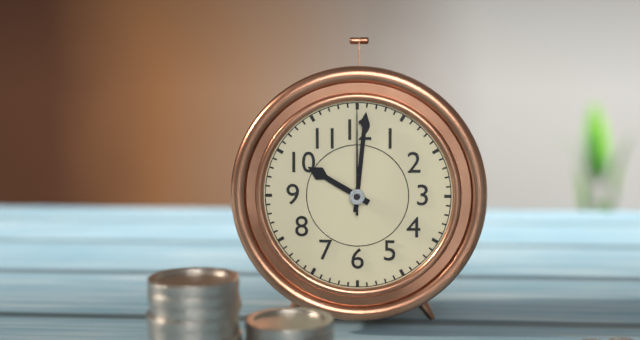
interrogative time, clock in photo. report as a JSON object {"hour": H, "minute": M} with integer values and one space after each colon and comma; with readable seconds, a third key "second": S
{"hour": 10, "minute": 1, "second": 0}
